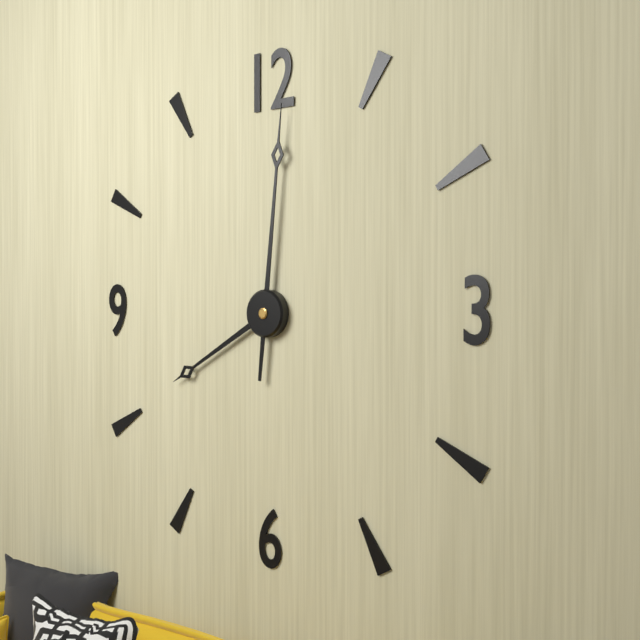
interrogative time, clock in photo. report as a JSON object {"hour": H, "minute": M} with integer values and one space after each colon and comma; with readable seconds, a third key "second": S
{"hour": 8, "minute": 1}
